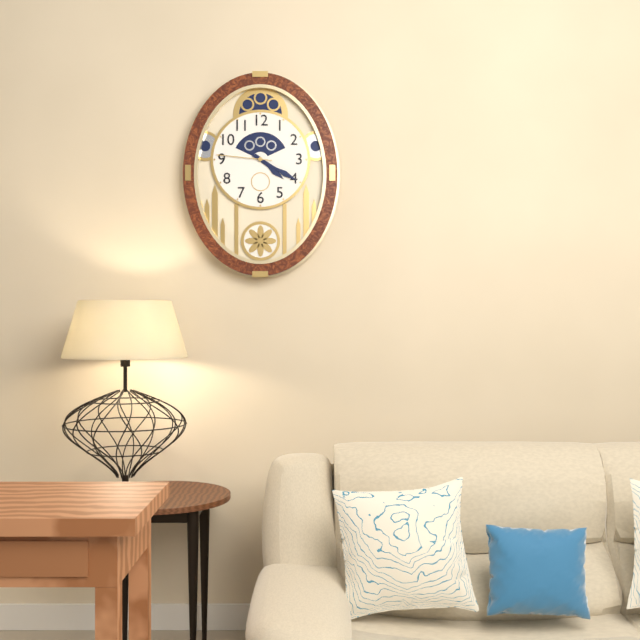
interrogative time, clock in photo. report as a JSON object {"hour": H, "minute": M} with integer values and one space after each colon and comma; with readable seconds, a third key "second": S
{"hour": 4, "minute": 20, "second": 46}
